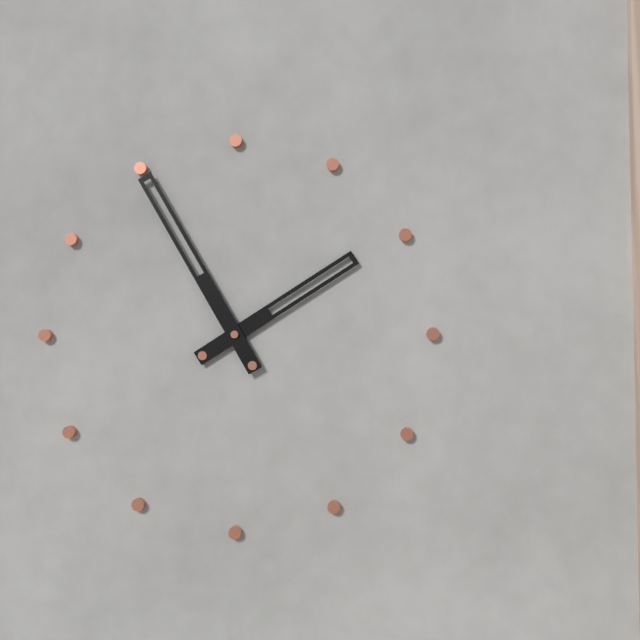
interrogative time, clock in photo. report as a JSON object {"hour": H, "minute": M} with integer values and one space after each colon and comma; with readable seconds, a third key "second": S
{"hour": 1, "minute": 55}
